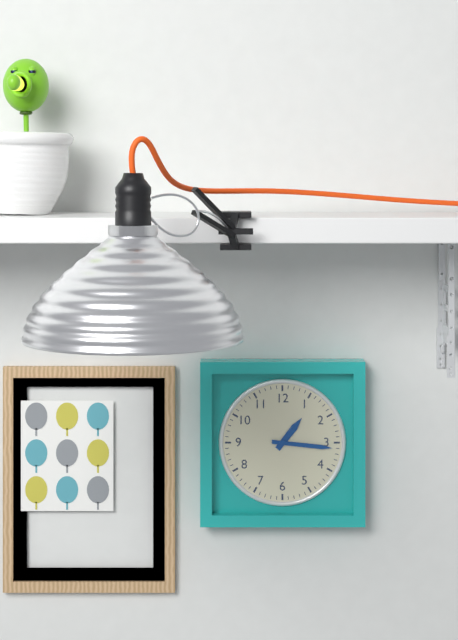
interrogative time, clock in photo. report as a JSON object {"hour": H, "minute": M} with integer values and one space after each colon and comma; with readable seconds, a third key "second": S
{"hour": 1, "minute": 16}
